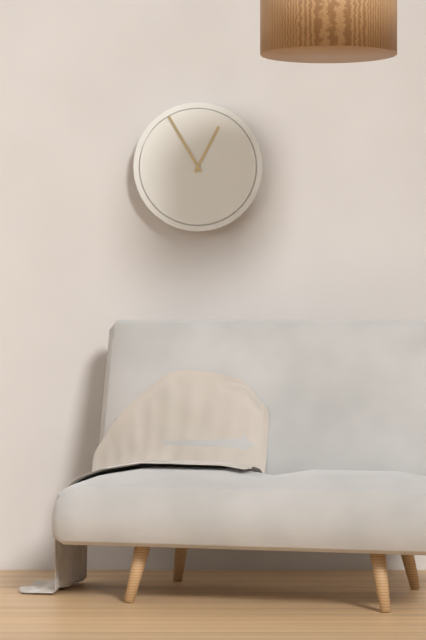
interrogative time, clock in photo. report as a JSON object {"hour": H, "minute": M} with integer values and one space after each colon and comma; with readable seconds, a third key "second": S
{"hour": 12, "minute": 55}
